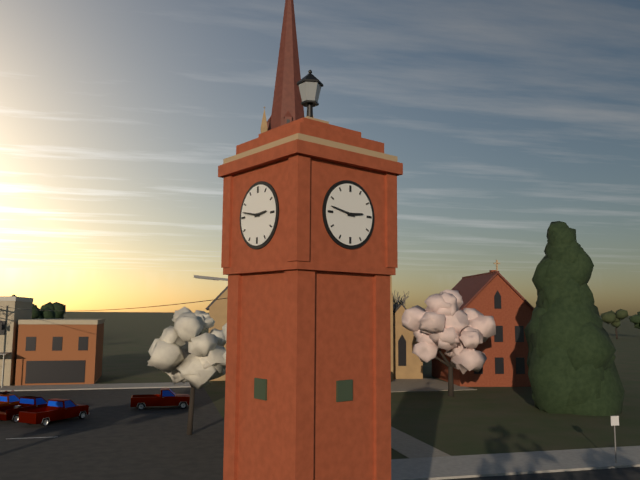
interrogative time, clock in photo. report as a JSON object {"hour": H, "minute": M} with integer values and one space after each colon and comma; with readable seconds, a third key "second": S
{"hour": 2, "minute": 47}
